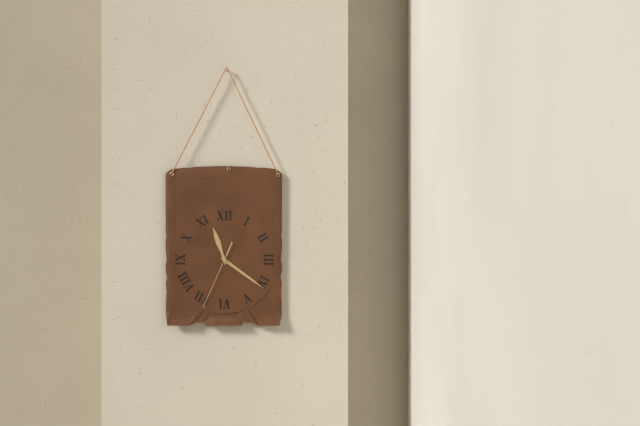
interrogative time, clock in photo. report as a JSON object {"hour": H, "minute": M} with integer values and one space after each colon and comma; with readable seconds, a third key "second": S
{"hour": 11, "minute": 21, "second": 34}
